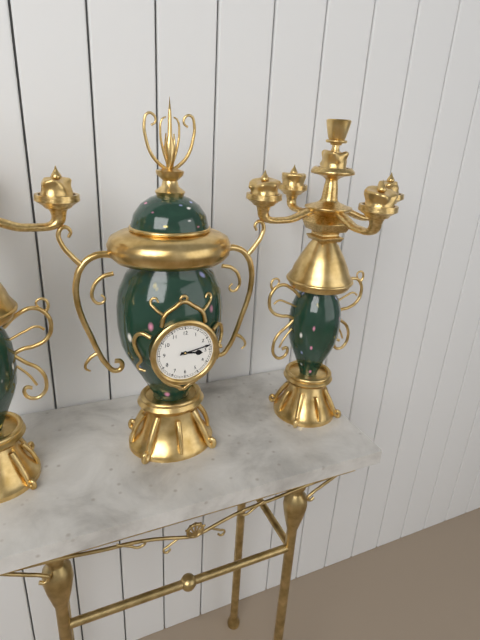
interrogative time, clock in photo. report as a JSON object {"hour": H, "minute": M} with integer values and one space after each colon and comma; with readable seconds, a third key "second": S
{"hour": 3, "minute": 13}
